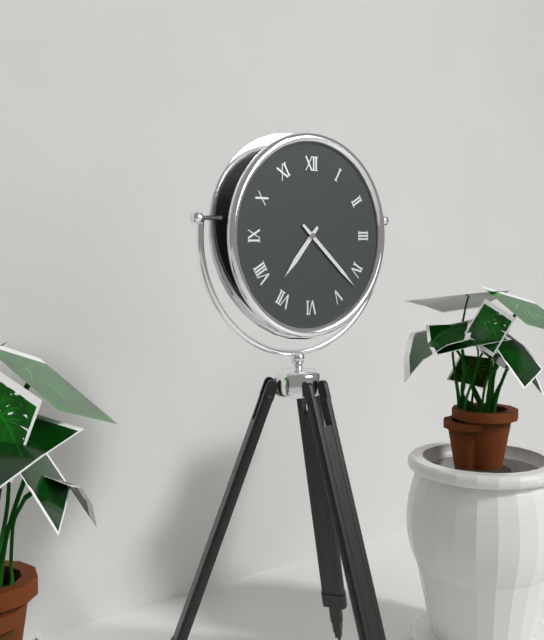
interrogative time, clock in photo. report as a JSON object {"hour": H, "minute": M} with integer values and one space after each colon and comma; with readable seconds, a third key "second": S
{"hour": 7, "minute": 22}
